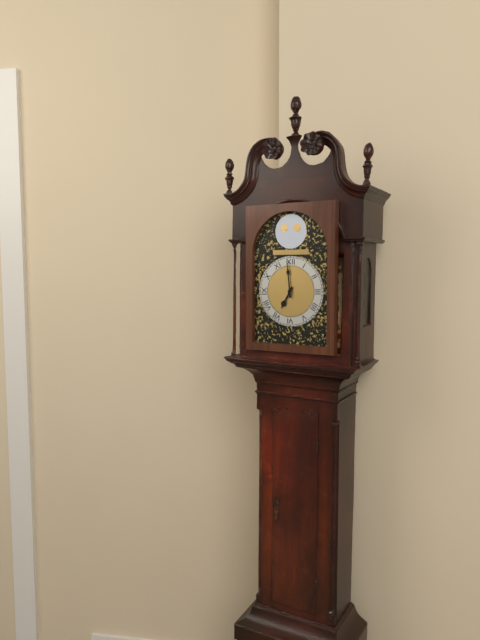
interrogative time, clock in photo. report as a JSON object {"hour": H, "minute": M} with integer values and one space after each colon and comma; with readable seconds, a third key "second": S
{"hour": 6, "minute": 59}
